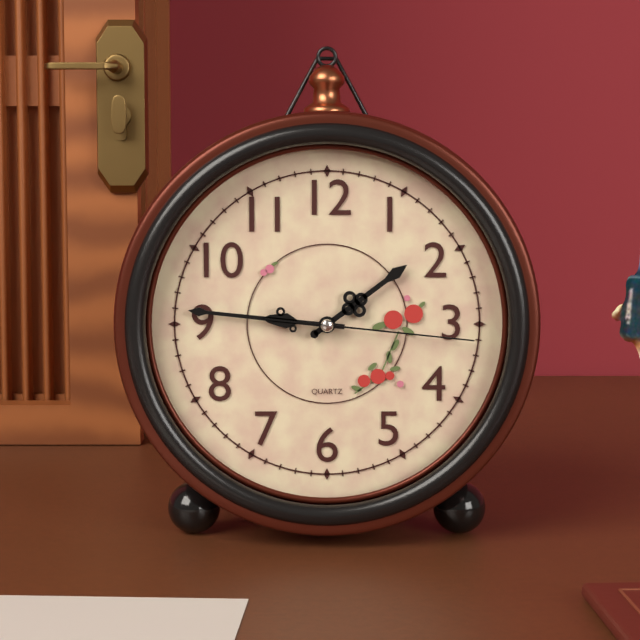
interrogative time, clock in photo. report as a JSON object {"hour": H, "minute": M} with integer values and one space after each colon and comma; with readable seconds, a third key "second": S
{"hour": 1, "minute": 46, "second": 16}
